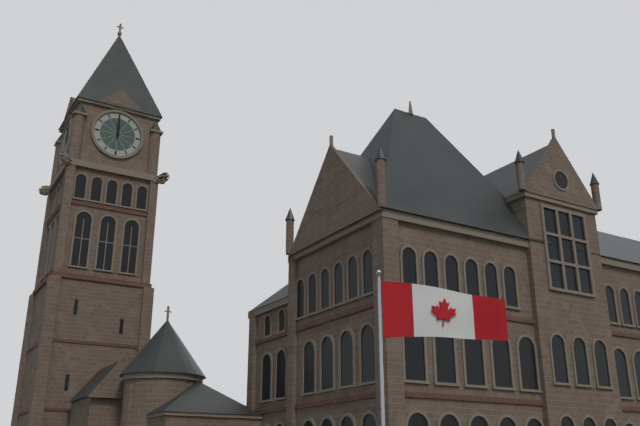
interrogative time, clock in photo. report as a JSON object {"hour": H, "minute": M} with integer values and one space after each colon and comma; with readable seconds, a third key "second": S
{"hour": 12, "minute": 0}
